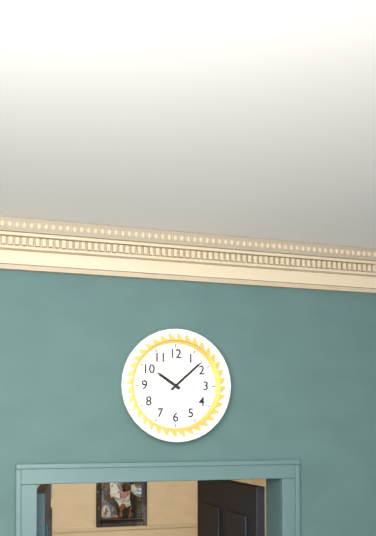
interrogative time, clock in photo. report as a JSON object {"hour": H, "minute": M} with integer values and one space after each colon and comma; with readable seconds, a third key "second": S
{"hour": 10, "minute": 8}
